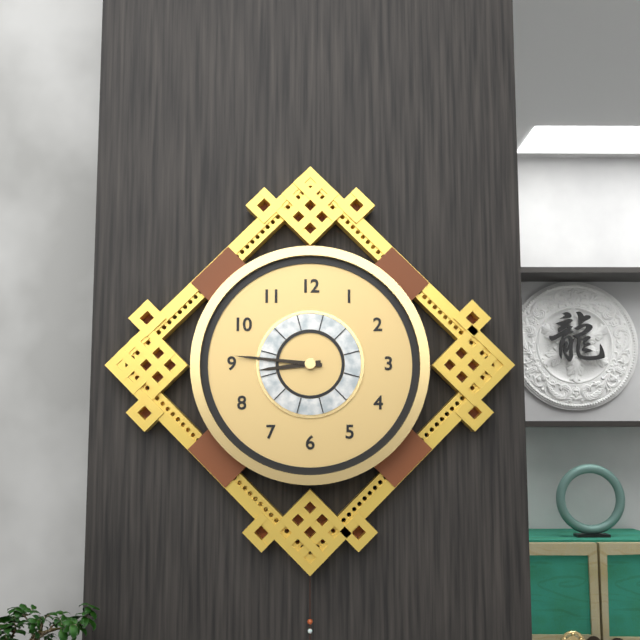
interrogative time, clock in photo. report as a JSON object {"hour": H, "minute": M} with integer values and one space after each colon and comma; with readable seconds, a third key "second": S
{"hour": 8, "minute": 46}
